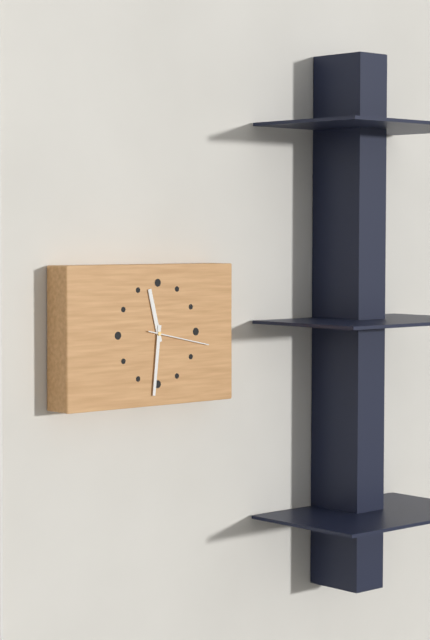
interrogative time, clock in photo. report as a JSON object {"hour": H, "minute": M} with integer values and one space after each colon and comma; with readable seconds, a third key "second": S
{"hour": 11, "minute": 31, "second": 17}
